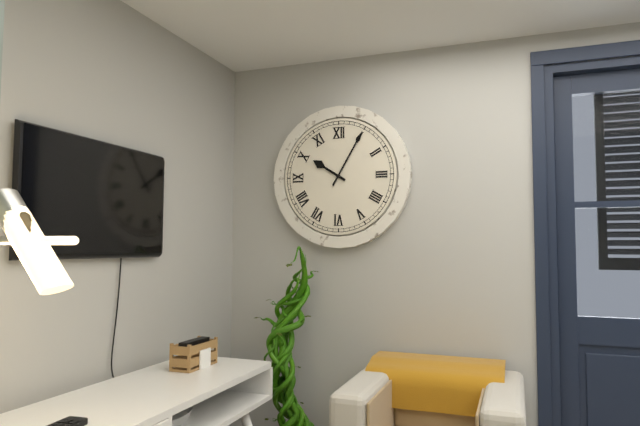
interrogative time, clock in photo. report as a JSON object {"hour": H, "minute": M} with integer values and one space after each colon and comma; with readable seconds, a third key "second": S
{"hour": 10, "minute": 5}
